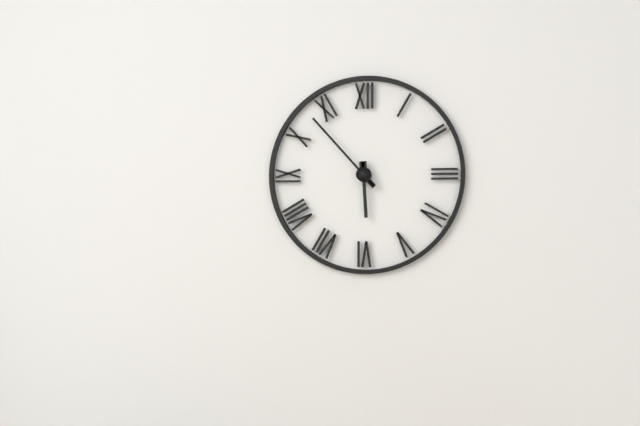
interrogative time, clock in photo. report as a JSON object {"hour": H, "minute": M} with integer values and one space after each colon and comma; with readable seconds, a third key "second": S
{"hour": 5, "minute": 53}
